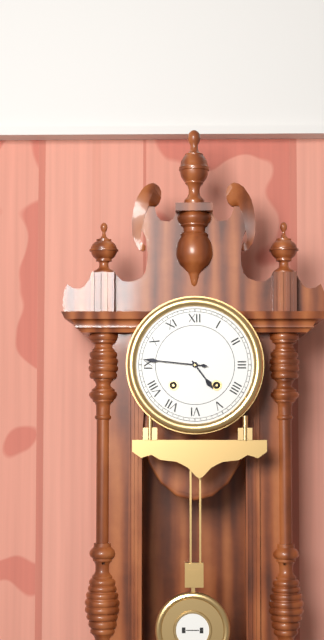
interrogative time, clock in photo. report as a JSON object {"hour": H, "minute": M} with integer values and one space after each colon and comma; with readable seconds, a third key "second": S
{"hour": 4, "minute": 46}
